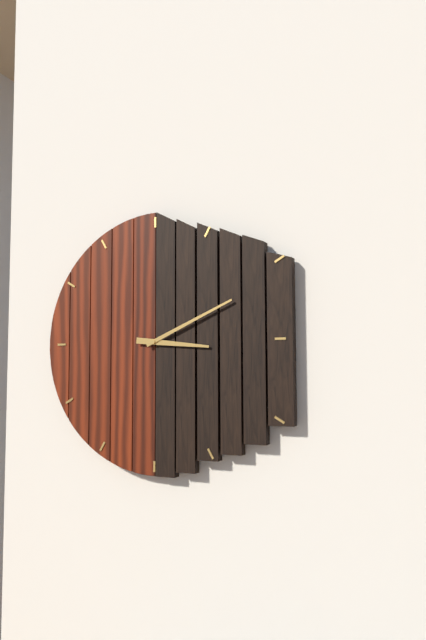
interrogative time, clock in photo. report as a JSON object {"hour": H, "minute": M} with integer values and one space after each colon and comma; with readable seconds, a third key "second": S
{"hour": 3, "minute": 11}
